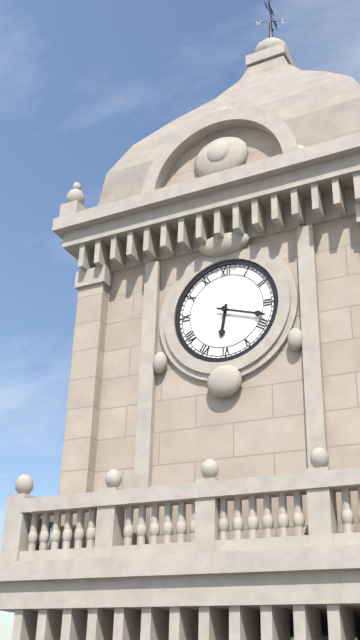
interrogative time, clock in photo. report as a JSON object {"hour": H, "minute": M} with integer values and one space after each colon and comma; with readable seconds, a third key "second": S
{"hour": 6, "minute": 18}
